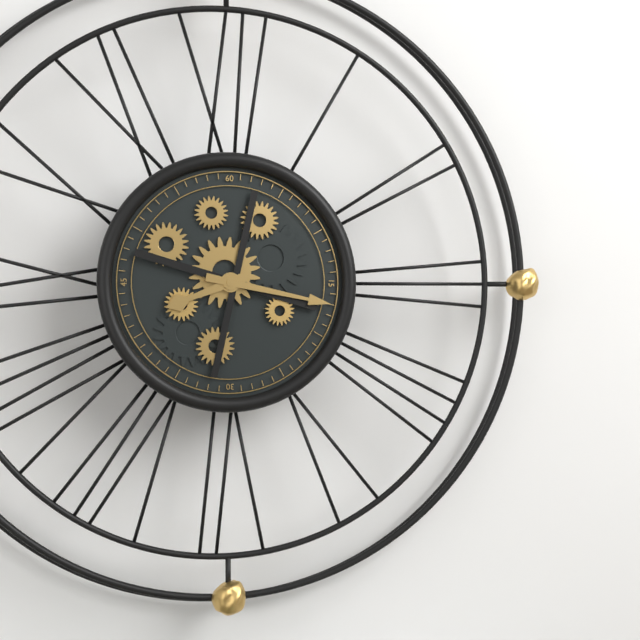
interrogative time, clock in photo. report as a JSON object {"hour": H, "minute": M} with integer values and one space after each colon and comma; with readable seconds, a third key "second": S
{"hour": 8, "minute": 17}
